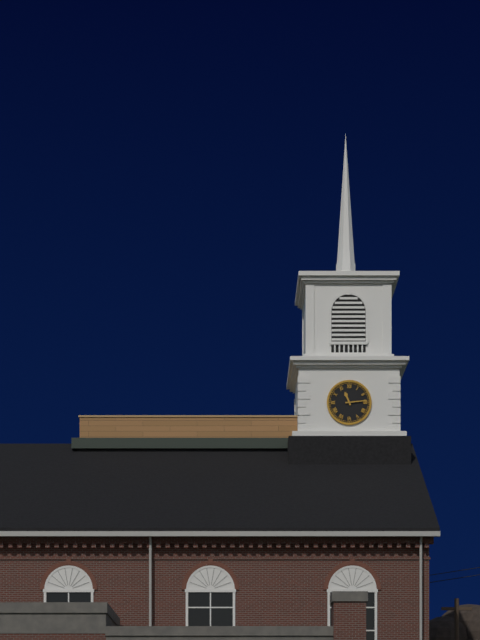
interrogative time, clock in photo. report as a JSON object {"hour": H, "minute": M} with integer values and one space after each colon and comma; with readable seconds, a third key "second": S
{"hour": 11, "minute": 14}
